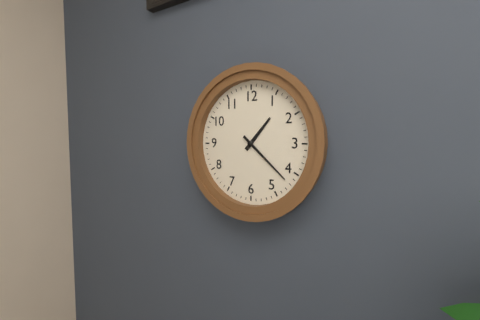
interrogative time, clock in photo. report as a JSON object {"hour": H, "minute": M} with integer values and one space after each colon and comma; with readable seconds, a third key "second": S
{"hour": 1, "minute": 22}
